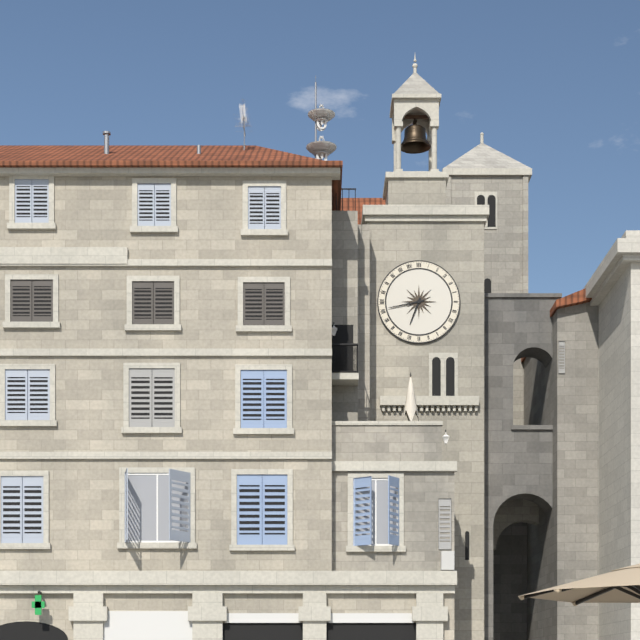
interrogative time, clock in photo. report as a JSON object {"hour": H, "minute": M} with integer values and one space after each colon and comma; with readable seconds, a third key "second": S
{"hour": 6, "minute": 43}
